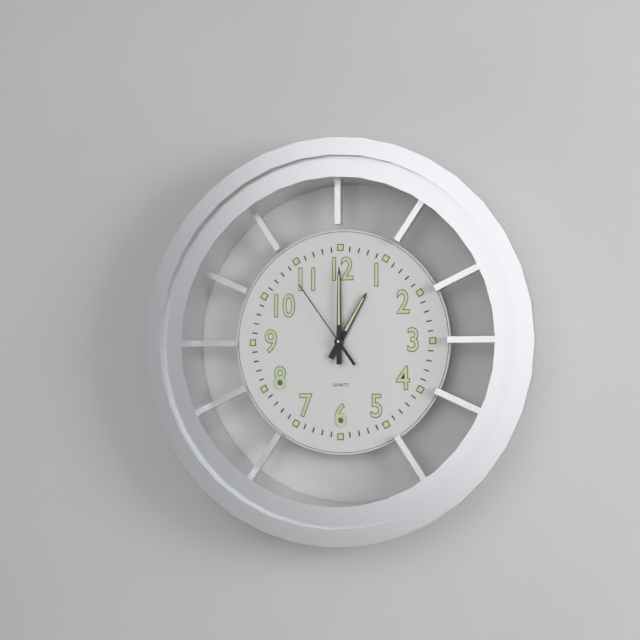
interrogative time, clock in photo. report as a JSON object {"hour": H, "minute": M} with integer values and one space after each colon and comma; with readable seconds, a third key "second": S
{"hour": 1, "minute": 0, "second": 54}
